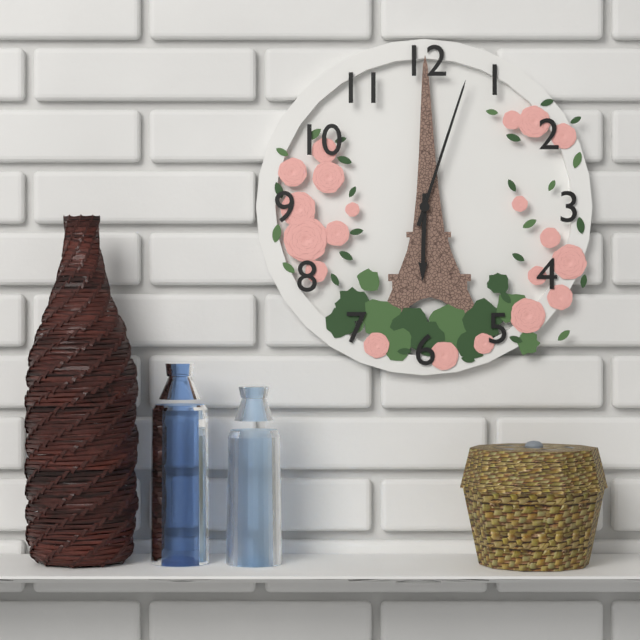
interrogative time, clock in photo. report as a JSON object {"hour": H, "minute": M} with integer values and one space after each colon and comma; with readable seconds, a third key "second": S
{"hour": 6, "minute": 3}
